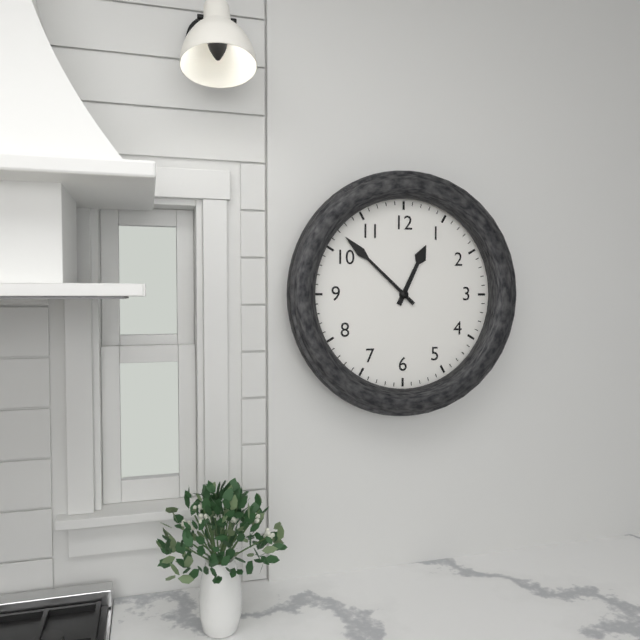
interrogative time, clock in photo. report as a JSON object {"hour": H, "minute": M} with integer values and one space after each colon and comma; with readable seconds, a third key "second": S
{"hour": 12, "minute": 52}
